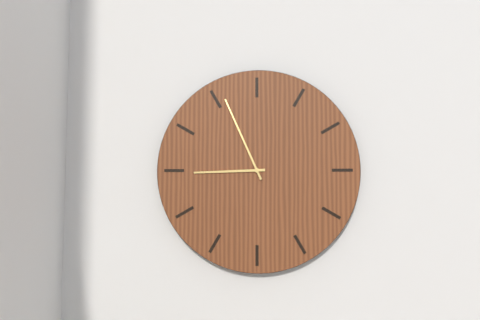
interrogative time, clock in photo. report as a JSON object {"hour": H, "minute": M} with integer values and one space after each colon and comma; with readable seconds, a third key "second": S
{"hour": 8, "minute": 56}
